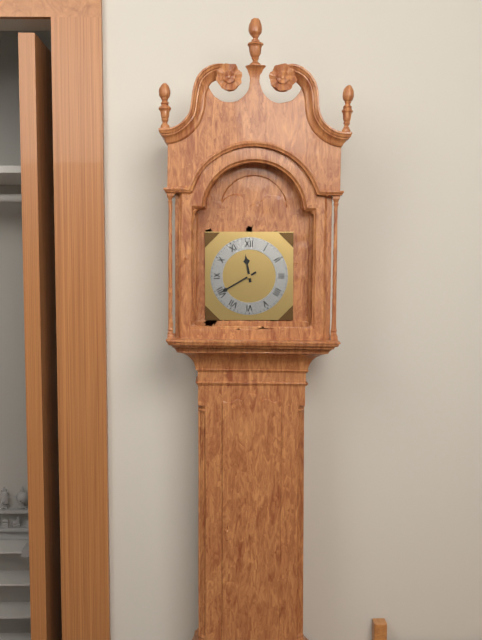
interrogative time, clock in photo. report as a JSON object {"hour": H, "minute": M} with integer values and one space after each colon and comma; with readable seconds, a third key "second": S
{"hour": 11, "minute": 40}
